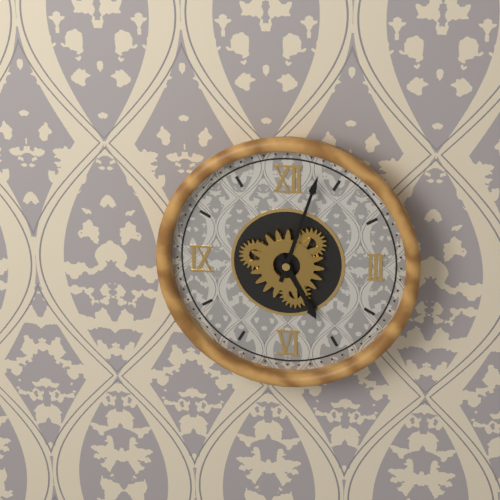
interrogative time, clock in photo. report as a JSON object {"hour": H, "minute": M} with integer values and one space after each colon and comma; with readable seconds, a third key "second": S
{"hour": 5, "minute": 3}
